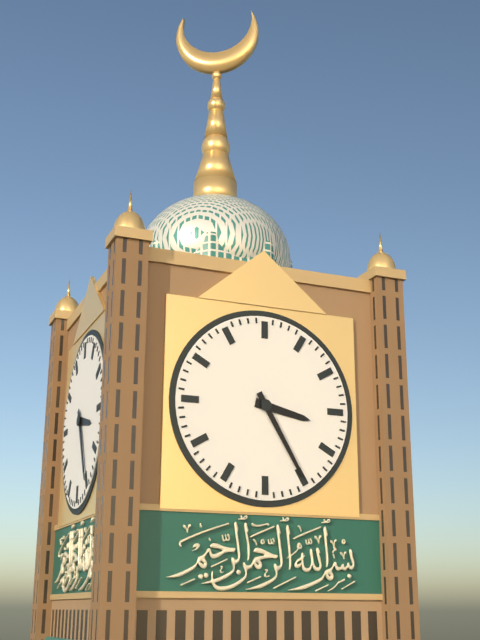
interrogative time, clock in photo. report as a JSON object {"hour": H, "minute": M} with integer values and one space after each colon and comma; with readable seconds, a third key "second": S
{"hour": 3, "minute": 25}
